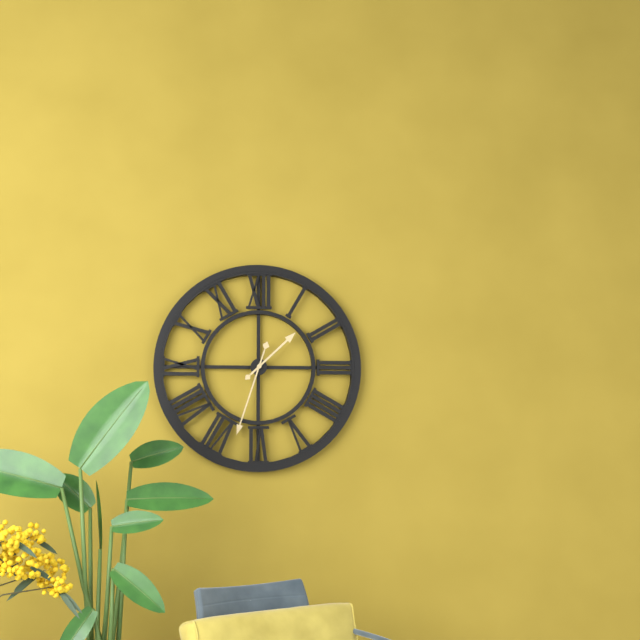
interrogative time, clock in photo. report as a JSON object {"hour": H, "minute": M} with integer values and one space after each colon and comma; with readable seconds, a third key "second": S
{"hour": 1, "minute": 33}
